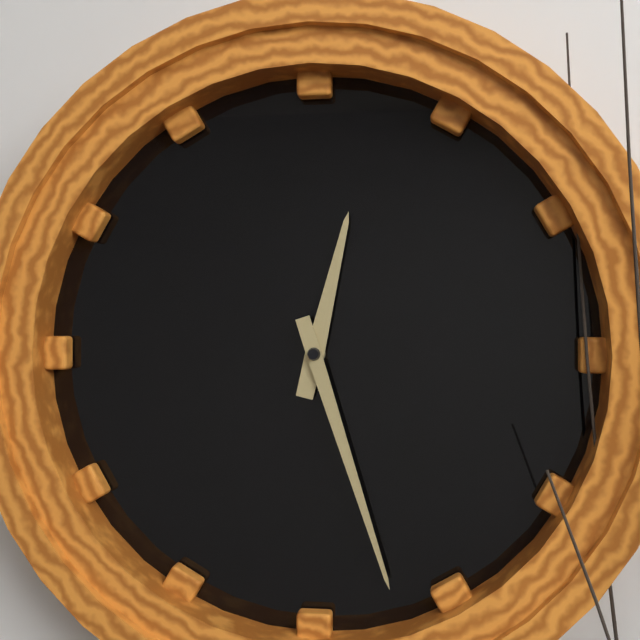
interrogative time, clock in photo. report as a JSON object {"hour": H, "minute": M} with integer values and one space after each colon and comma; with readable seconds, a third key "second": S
{"hour": 12, "minute": 27}
